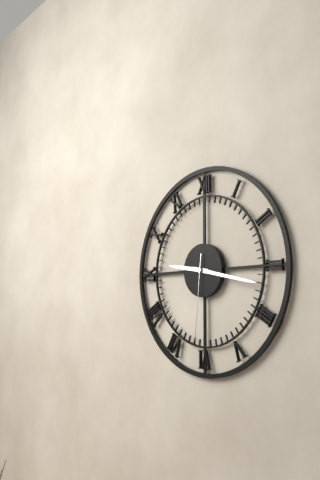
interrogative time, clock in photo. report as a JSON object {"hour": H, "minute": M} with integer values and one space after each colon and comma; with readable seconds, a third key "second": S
{"hour": 9, "minute": 17, "second": 31}
